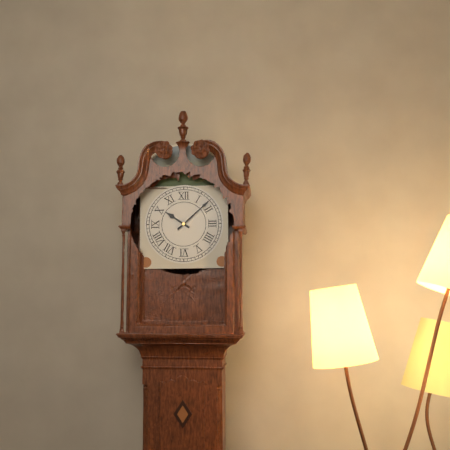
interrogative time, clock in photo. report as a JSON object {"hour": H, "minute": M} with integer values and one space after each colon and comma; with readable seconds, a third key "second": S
{"hour": 10, "minute": 8}
